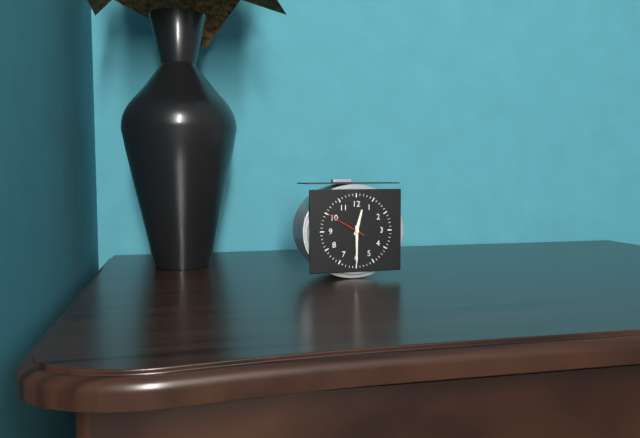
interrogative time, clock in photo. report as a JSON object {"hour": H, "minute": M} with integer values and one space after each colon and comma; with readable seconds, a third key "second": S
{"hour": 12, "minute": 30}
